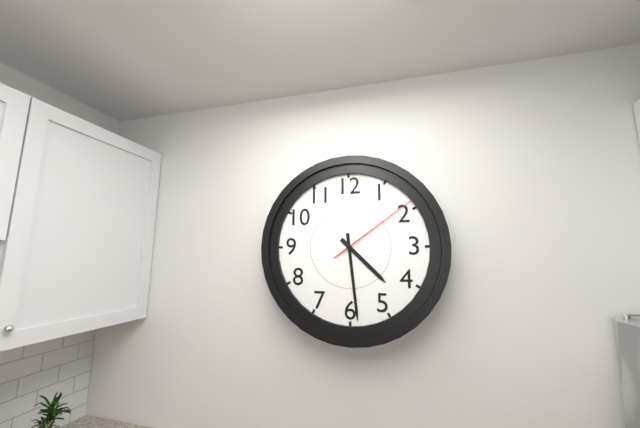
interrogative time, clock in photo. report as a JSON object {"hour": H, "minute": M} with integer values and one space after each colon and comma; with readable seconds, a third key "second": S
{"hour": 4, "minute": 29, "second": 9}
